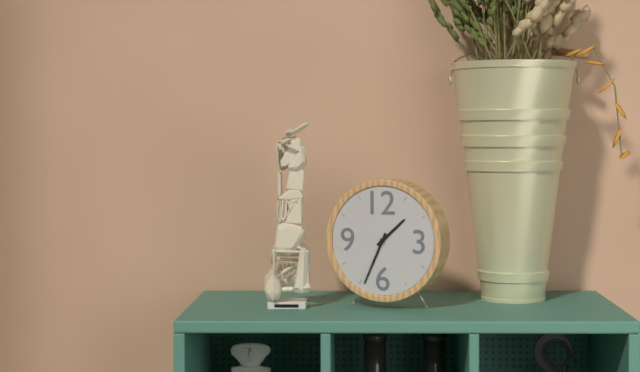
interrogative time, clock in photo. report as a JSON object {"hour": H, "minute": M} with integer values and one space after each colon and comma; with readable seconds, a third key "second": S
{"hour": 1, "minute": 34}
